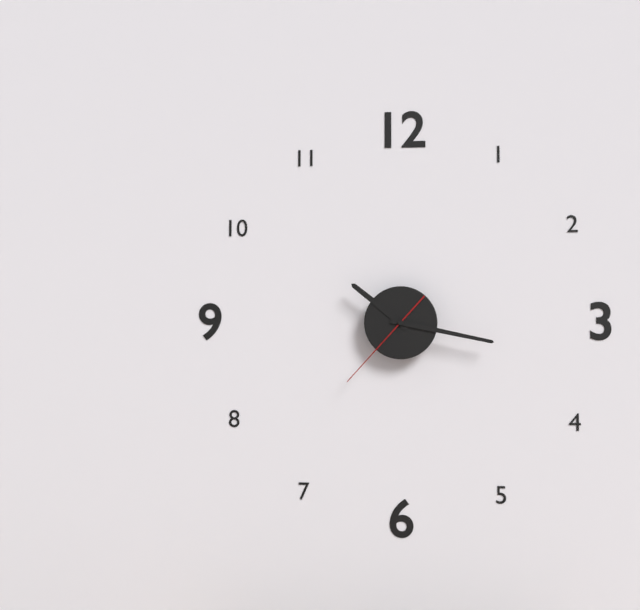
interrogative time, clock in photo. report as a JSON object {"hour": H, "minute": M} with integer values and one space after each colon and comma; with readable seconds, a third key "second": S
{"hour": 10, "minute": 17, "second": 37}
